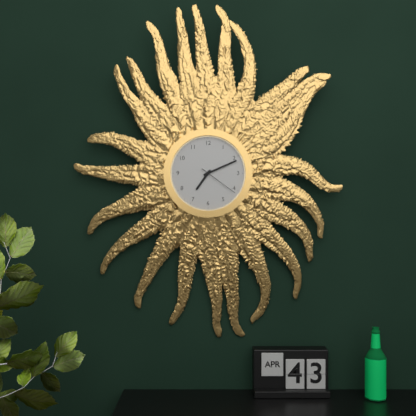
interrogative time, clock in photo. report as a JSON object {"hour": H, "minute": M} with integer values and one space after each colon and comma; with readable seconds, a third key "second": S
{"hour": 7, "minute": 11}
